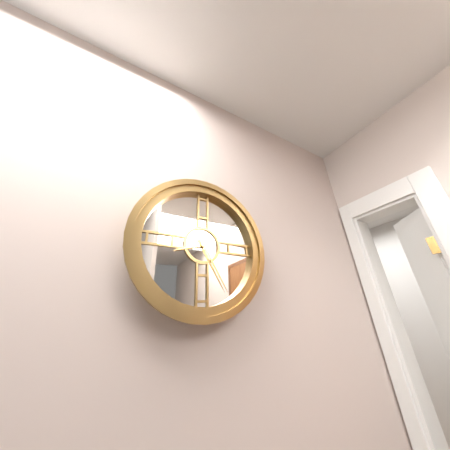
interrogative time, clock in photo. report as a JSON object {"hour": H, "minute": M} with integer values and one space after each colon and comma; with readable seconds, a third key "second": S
{"hour": 8, "minute": 25}
